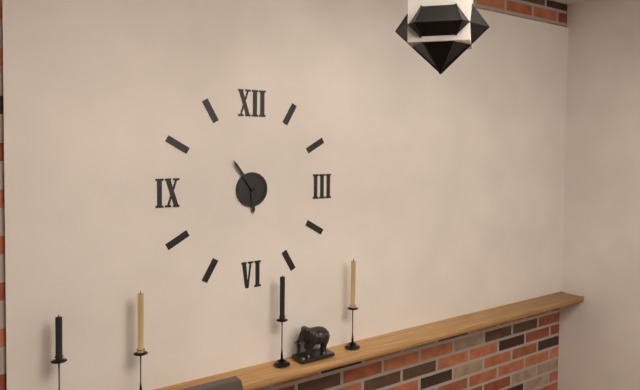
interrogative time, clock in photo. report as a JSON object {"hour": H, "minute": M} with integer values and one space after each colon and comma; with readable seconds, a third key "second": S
{"hour": 5, "minute": 54}
